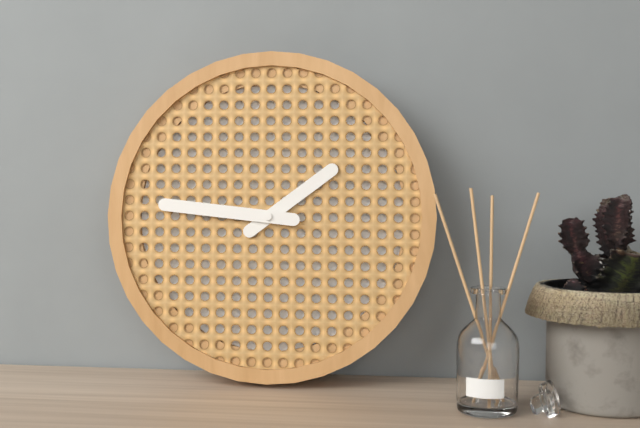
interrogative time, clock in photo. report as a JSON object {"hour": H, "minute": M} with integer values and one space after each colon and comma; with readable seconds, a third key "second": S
{"hour": 1, "minute": 46}
